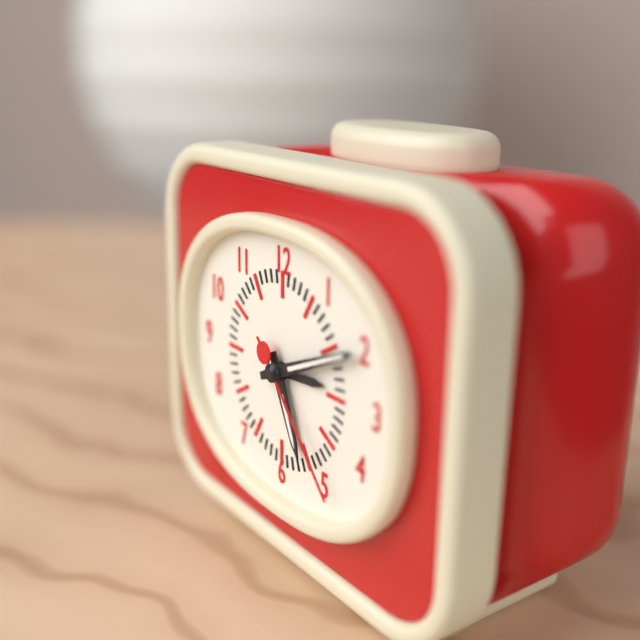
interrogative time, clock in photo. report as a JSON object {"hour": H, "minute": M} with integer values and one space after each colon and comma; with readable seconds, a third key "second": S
{"hour": 5, "minute": 11, "second": 23}
